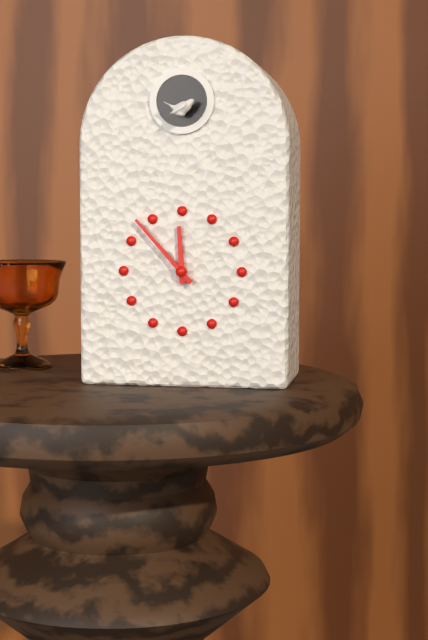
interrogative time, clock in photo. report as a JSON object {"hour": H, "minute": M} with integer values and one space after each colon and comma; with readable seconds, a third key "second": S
{"hour": 11, "minute": 53}
